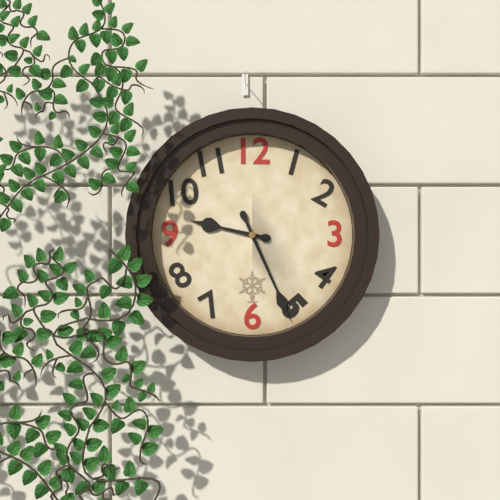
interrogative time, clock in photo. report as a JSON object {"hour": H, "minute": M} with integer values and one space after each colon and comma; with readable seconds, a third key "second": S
{"hour": 9, "minute": 26}
